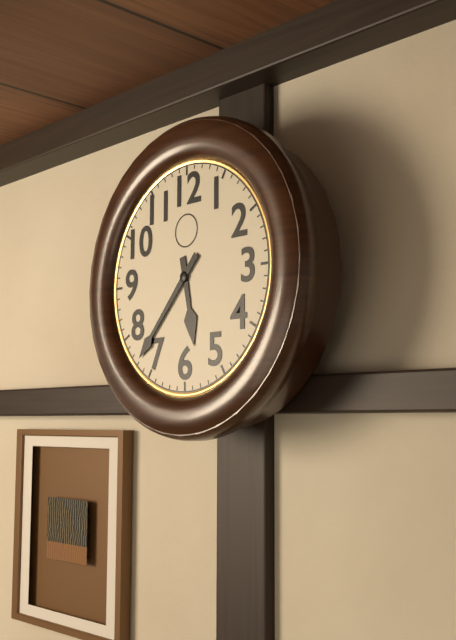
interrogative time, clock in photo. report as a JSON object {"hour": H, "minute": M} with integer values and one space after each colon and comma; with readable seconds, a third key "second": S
{"hour": 5, "minute": 37}
